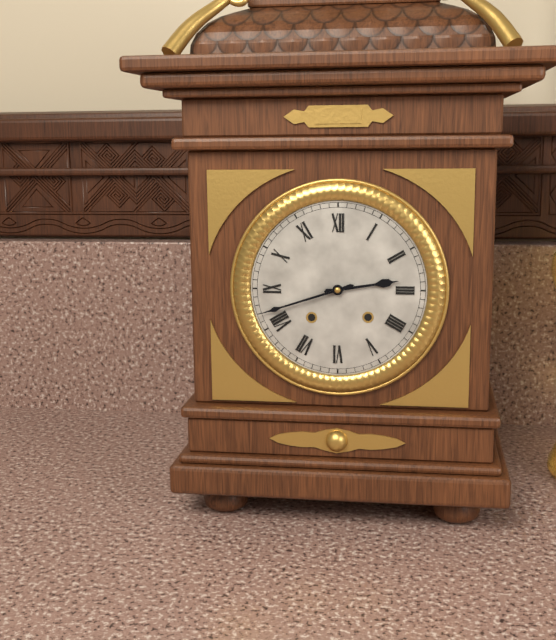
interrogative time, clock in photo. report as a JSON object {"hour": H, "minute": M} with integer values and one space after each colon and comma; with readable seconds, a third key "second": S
{"hour": 2, "minute": 42}
